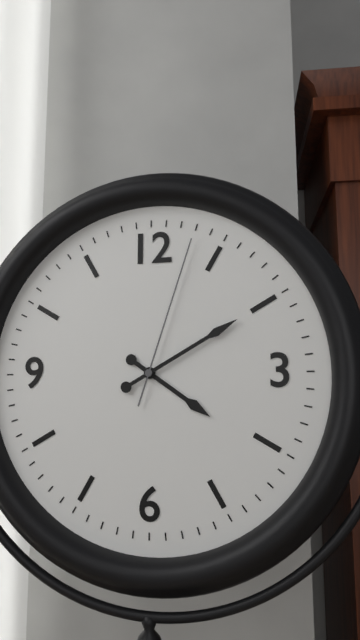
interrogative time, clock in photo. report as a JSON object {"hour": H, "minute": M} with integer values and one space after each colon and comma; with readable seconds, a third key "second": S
{"hour": 4, "minute": 10, "second": 3}
